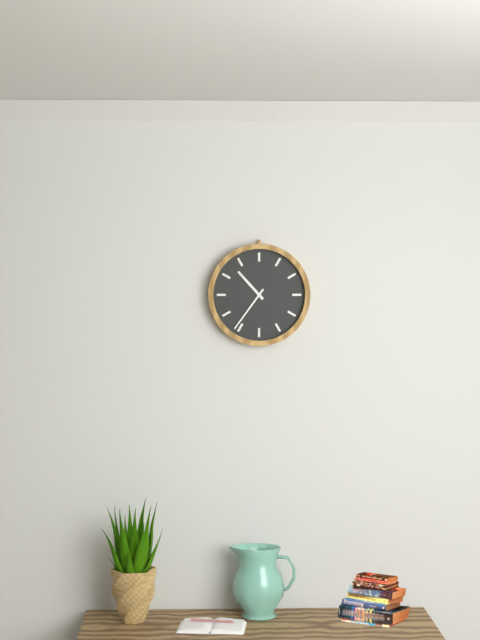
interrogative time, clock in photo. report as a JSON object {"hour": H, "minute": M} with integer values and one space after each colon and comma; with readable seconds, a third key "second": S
{"hour": 10, "minute": 36}
